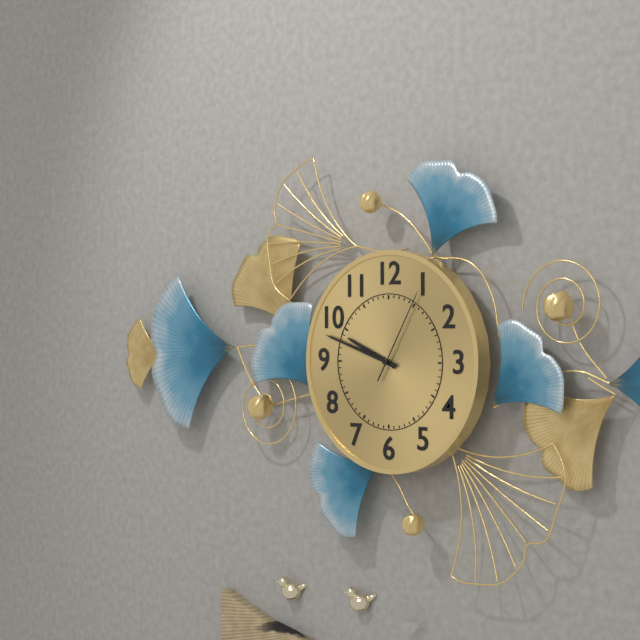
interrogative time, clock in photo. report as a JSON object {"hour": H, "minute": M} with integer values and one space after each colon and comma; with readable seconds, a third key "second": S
{"hour": 9, "minute": 48, "second": 5}
